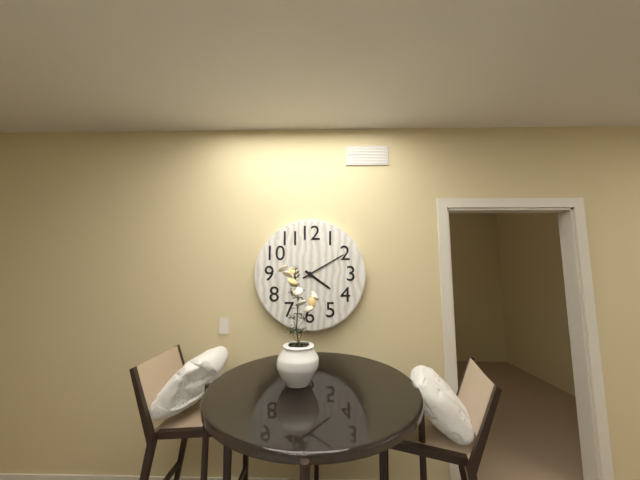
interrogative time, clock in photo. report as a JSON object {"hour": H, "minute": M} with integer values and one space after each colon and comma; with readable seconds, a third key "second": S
{"hour": 4, "minute": 10}
